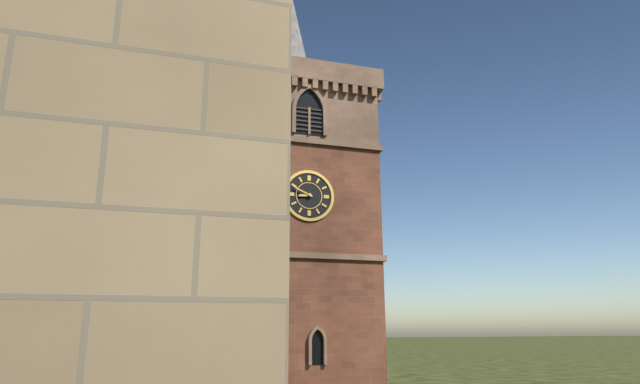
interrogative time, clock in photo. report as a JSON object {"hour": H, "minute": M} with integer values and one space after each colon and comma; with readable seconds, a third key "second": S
{"hour": 8, "minute": 49}
